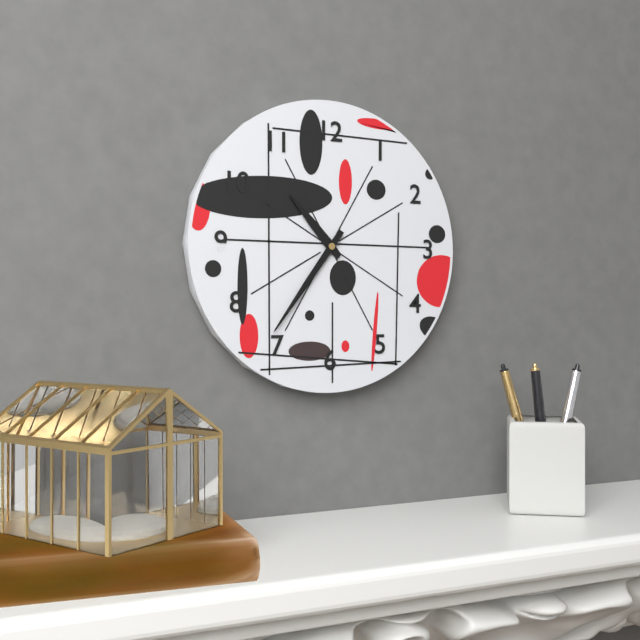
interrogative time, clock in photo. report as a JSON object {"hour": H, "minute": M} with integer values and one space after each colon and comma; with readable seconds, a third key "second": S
{"hour": 10, "minute": 36}
